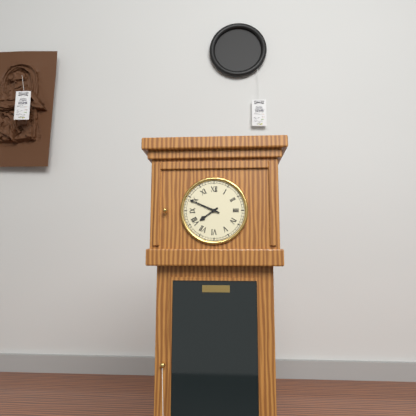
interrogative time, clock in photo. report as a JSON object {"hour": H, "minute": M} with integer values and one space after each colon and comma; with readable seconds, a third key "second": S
{"hour": 7, "minute": 49}
